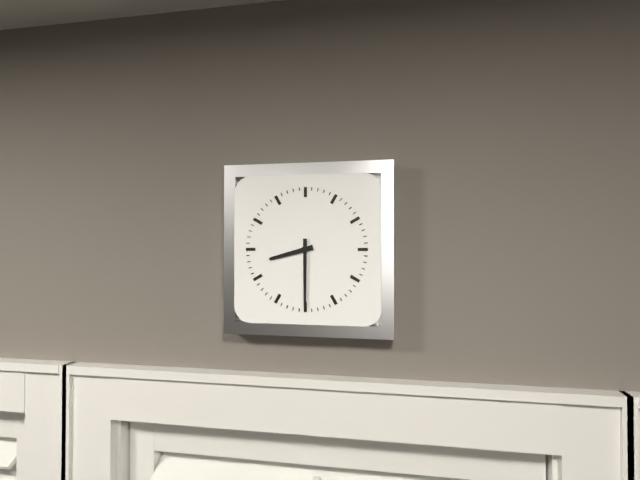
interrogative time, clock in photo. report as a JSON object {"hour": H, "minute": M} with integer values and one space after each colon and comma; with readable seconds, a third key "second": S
{"hour": 8, "minute": 30}
